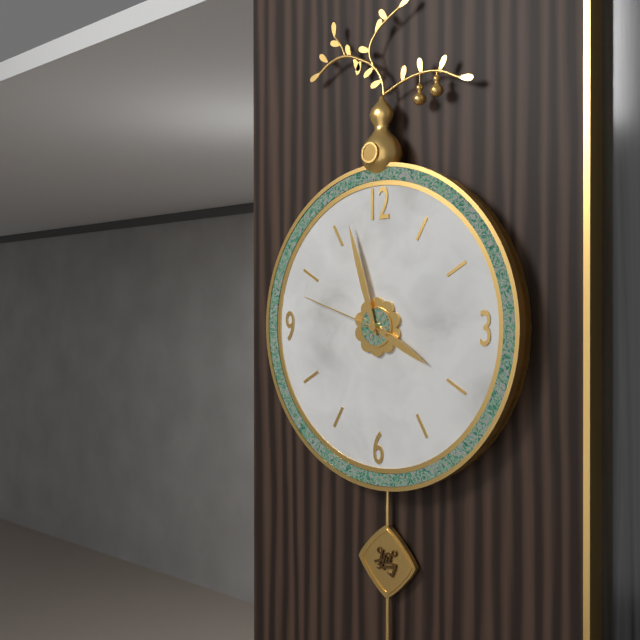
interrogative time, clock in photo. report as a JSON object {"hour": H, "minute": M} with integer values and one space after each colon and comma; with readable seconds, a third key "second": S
{"hour": 3, "minute": 57, "second": 48}
